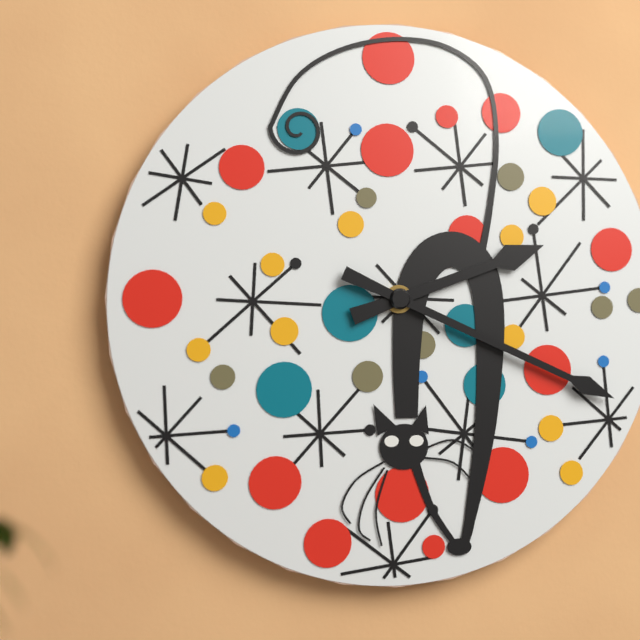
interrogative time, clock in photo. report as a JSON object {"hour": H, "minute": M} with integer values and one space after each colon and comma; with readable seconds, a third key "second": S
{"hour": 2, "minute": 19}
